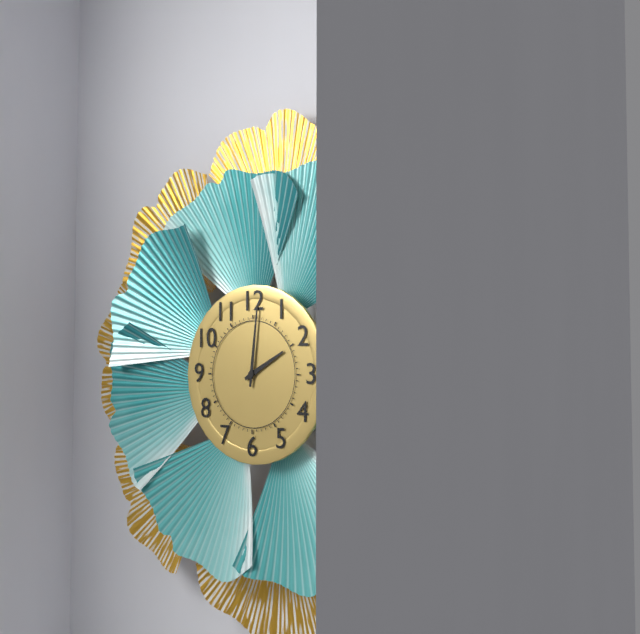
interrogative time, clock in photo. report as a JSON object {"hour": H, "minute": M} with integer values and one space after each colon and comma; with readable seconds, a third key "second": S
{"hour": 2, "minute": 1}
